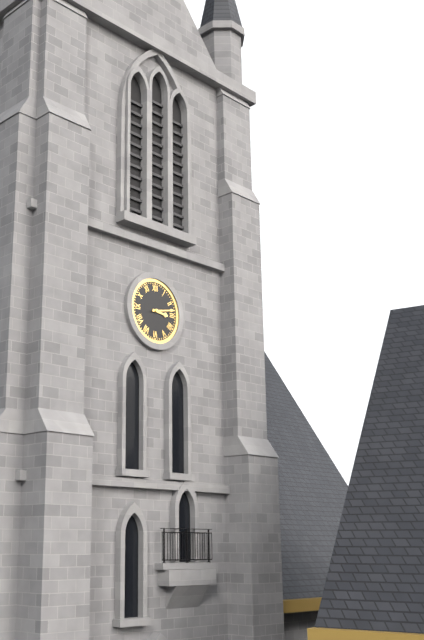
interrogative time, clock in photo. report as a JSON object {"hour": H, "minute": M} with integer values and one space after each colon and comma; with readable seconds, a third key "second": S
{"hour": 3, "minute": 13}
